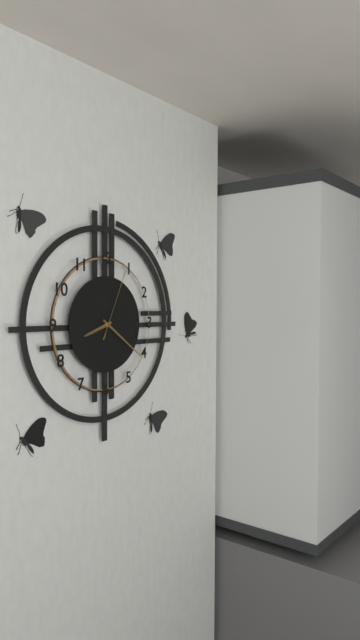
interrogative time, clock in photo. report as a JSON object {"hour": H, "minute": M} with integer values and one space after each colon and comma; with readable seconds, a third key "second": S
{"hour": 8, "minute": 21, "second": 4}
